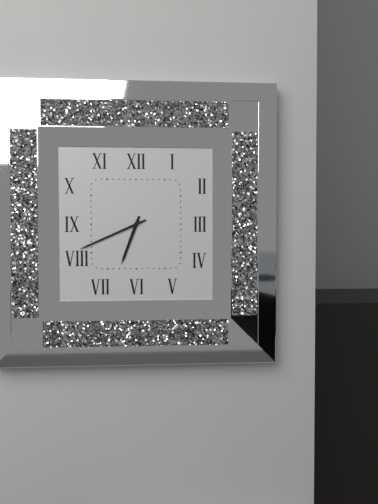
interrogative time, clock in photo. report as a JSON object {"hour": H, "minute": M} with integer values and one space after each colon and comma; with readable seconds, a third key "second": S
{"hour": 6, "minute": 41}
